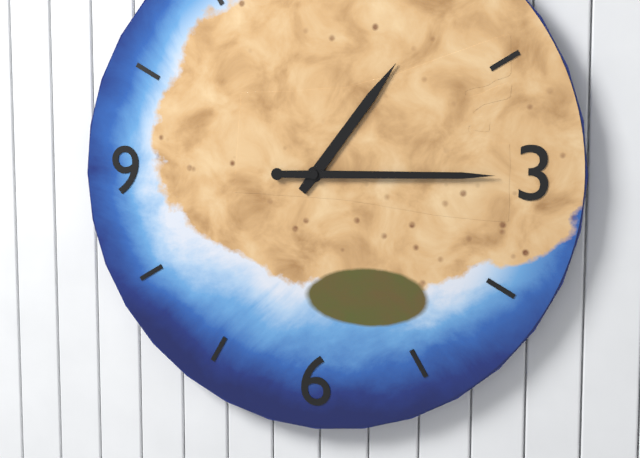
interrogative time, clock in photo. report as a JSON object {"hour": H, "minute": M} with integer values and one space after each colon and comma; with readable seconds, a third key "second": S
{"hour": 1, "minute": 15}
